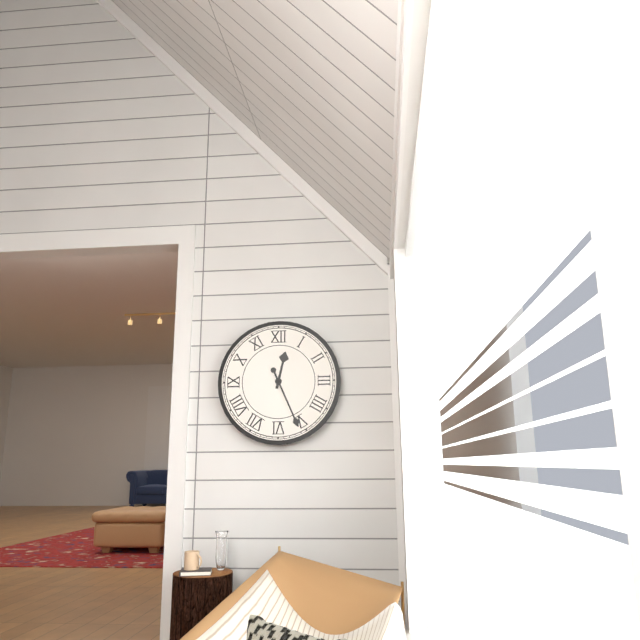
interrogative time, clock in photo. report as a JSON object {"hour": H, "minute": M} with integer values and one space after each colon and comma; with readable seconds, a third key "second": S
{"hour": 12, "minute": 26}
